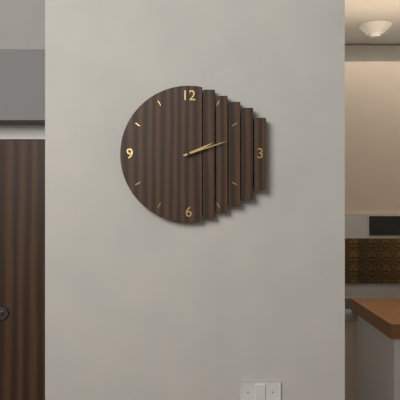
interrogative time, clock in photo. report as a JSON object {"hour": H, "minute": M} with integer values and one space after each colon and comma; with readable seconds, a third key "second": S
{"hour": 2, "minute": 12}
